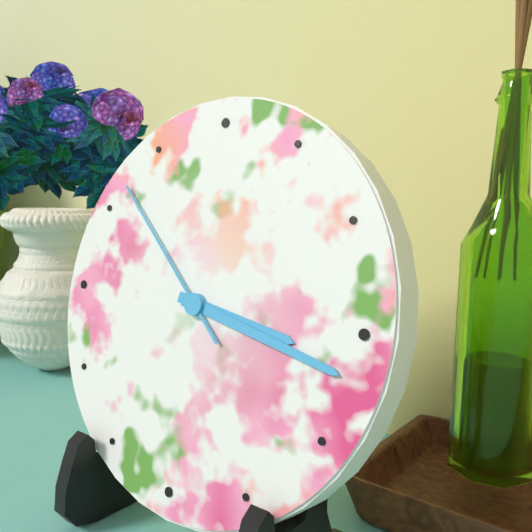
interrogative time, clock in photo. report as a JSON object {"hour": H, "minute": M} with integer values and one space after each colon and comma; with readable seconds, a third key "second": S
{"hour": 3, "minute": 17, "second": 52}
